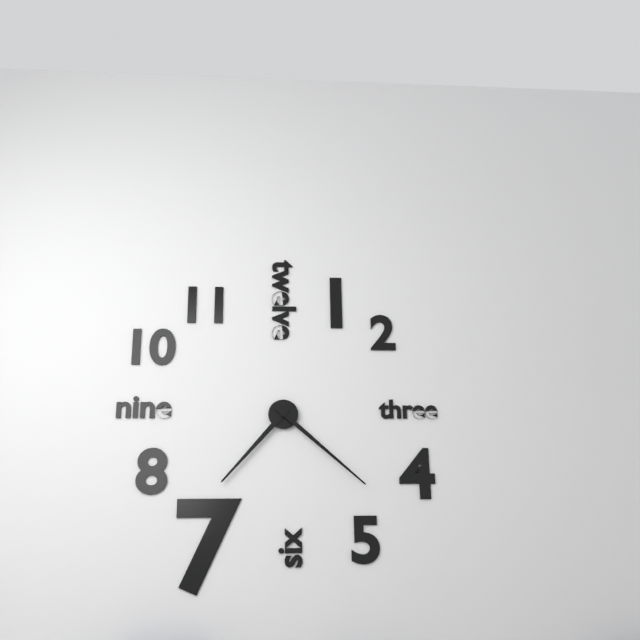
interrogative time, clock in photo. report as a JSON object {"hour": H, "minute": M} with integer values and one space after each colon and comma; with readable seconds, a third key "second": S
{"hour": 7, "minute": 22}
